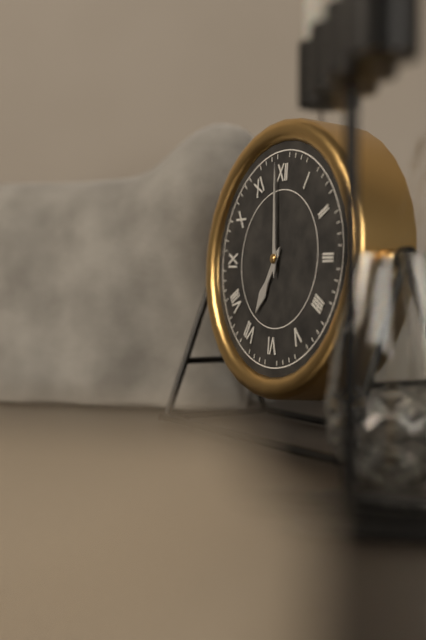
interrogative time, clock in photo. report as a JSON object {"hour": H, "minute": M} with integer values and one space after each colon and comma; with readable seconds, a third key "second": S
{"hour": 6, "minute": 59}
